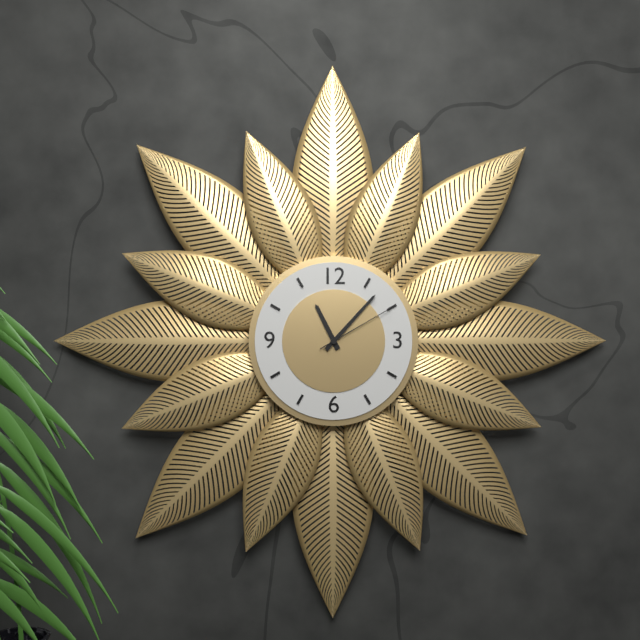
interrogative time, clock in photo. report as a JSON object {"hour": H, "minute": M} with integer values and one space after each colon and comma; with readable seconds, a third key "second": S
{"hour": 11, "minute": 7, "second": 10}
